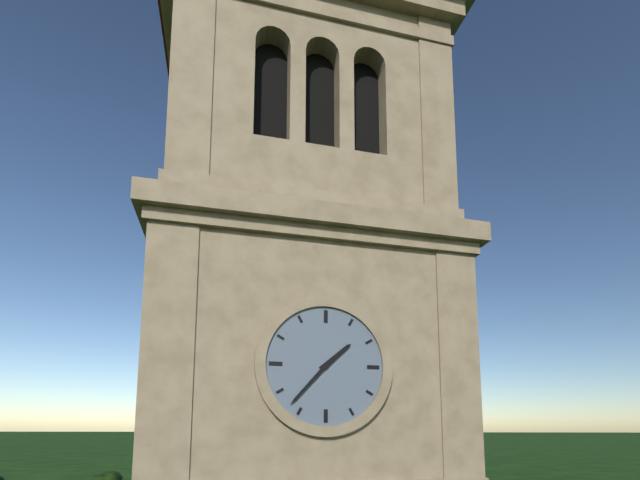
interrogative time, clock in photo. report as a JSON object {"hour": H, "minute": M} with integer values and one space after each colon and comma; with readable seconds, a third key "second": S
{"hour": 1, "minute": 37}
